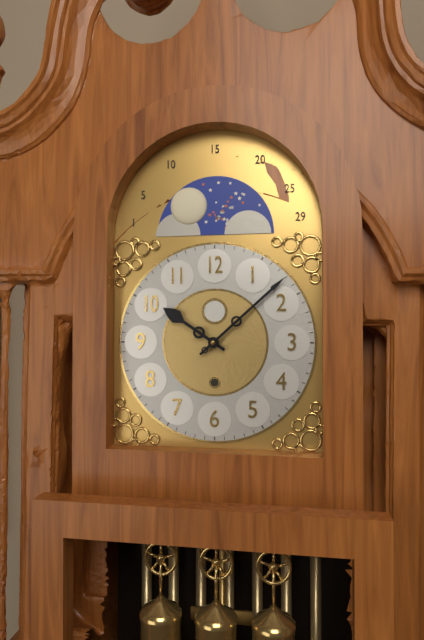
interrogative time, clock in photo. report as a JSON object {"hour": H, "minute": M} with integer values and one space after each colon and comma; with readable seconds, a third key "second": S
{"hour": 10, "minute": 8}
